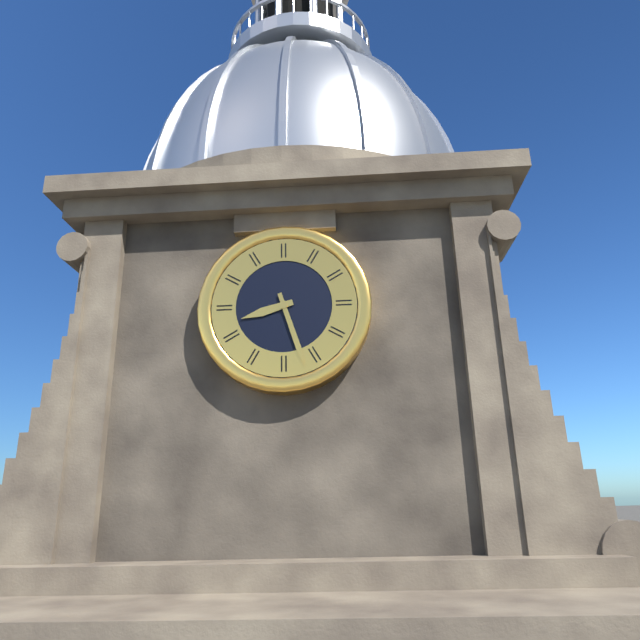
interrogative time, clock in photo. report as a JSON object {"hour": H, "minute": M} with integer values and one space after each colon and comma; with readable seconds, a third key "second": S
{"hour": 8, "minute": 27}
